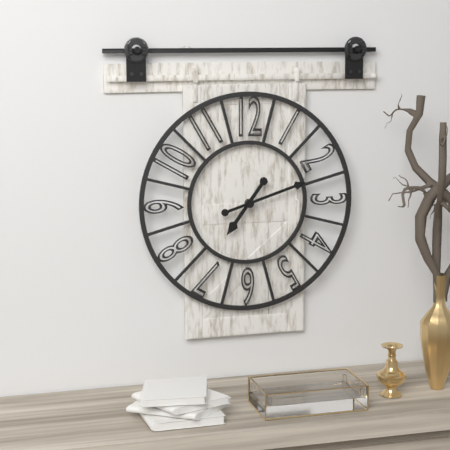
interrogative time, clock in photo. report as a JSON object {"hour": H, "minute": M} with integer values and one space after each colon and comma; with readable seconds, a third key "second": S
{"hour": 7, "minute": 12}
